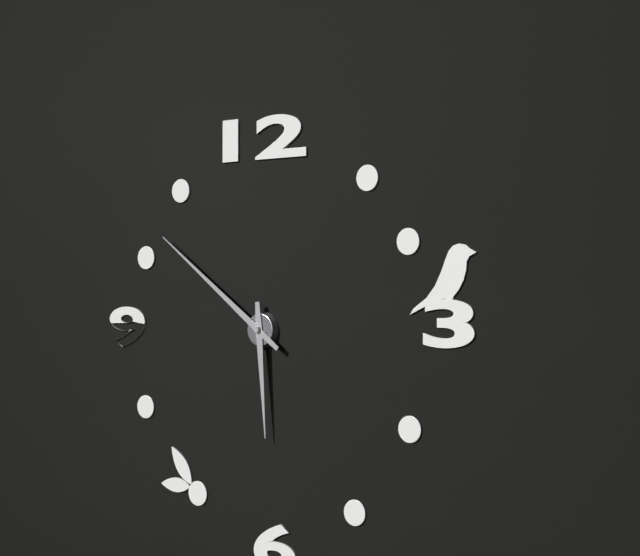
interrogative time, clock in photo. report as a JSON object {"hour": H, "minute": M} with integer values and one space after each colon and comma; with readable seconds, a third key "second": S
{"hour": 5, "minute": 51}
